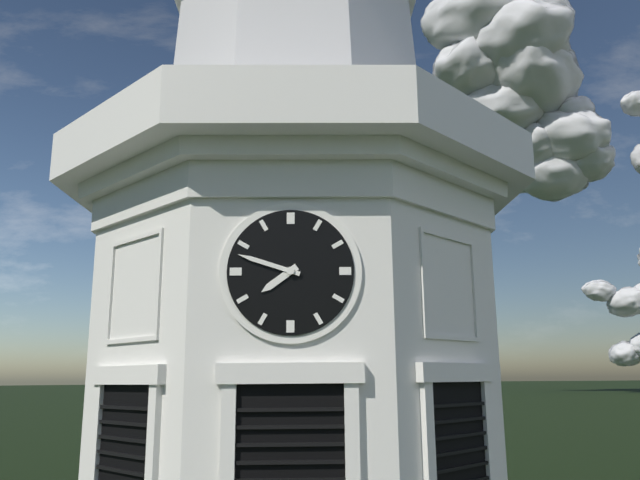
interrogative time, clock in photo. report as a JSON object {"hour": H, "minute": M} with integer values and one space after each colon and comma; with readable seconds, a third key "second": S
{"hour": 7, "minute": 48}
